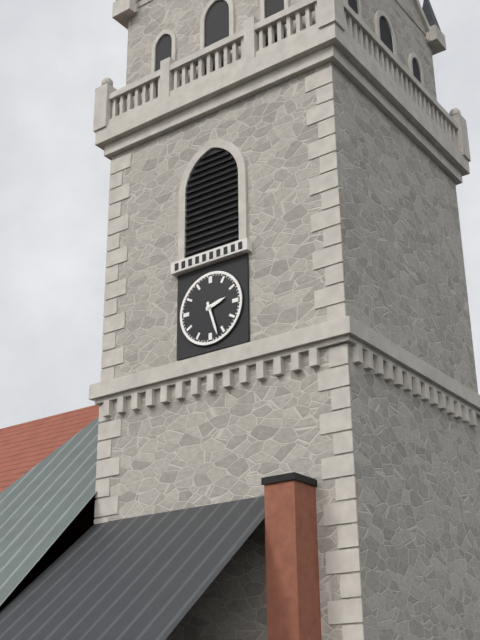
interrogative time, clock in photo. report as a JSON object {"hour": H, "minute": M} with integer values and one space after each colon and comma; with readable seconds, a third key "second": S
{"hour": 2, "minute": 27}
